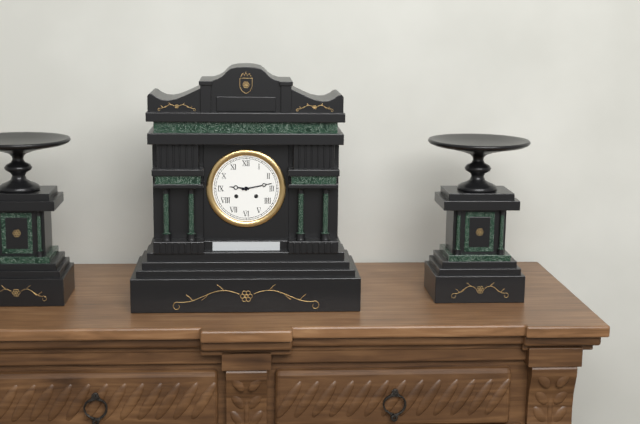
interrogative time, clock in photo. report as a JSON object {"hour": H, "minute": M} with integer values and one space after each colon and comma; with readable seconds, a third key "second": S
{"hour": 9, "minute": 13}
